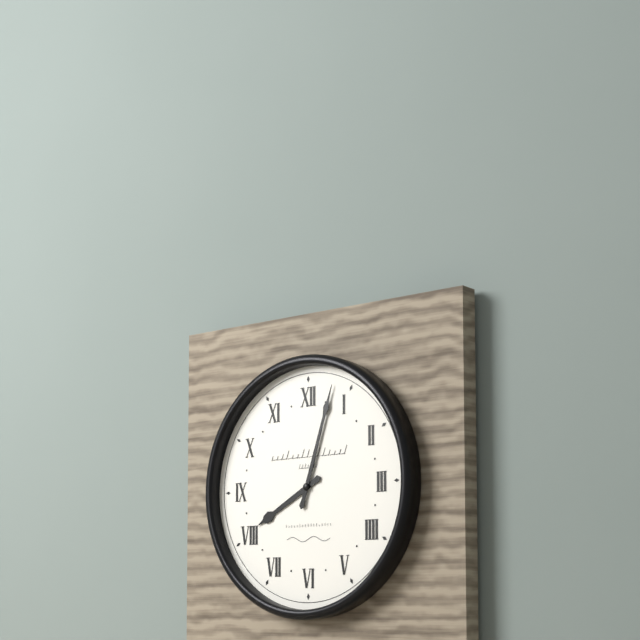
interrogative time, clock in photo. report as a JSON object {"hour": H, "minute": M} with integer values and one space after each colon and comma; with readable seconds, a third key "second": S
{"hour": 8, "minute": 3}
